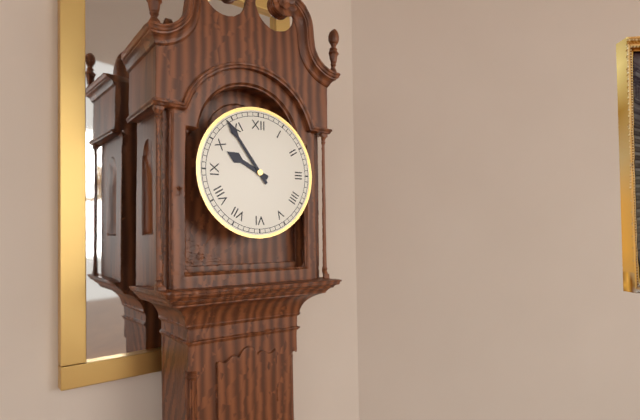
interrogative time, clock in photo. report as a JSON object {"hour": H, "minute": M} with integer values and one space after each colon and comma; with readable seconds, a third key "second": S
{"hour": 9, "minute": 54}
